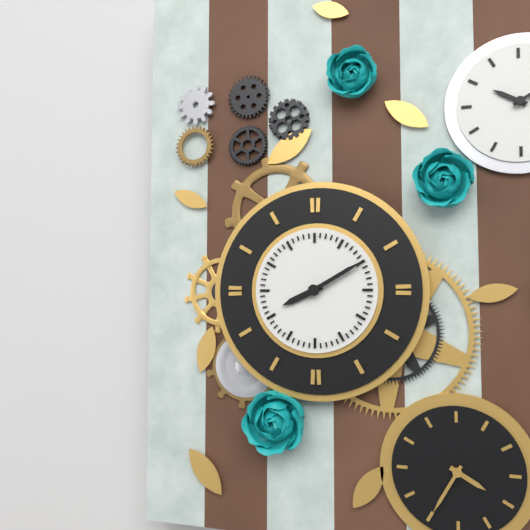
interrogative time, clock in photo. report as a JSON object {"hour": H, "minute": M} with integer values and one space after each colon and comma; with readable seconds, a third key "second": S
{"hour": 8, "minute": 10}
